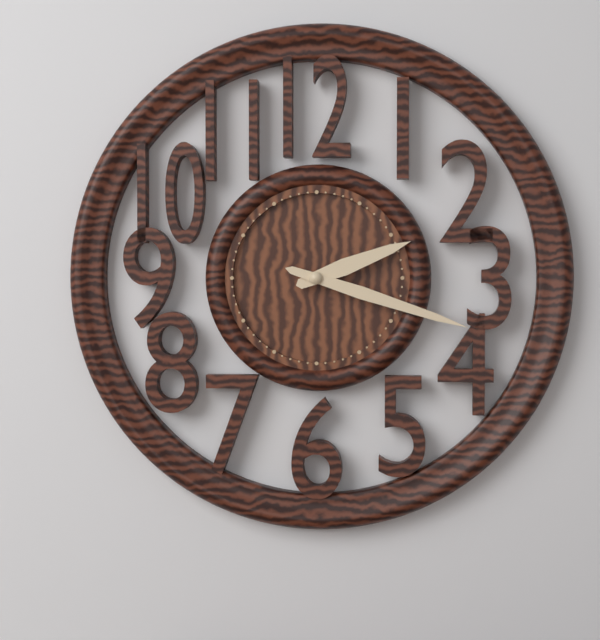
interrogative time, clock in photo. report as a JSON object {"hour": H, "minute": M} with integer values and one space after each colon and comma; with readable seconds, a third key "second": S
{"hour": 2, "minute": 18}
